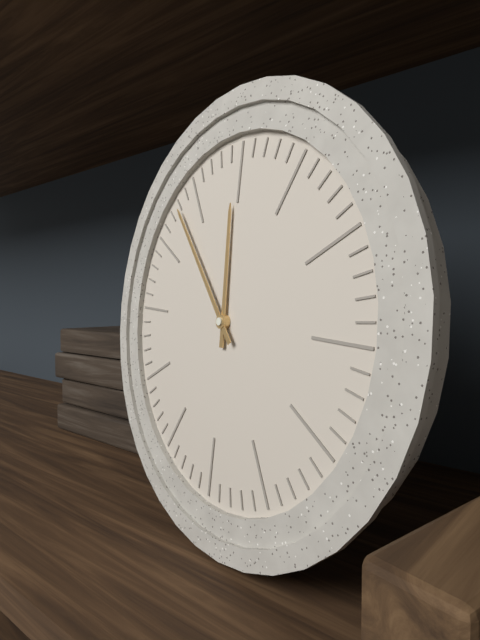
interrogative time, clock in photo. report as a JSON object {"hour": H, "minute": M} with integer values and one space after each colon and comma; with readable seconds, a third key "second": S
{"hour": 11, "minute": 53}
